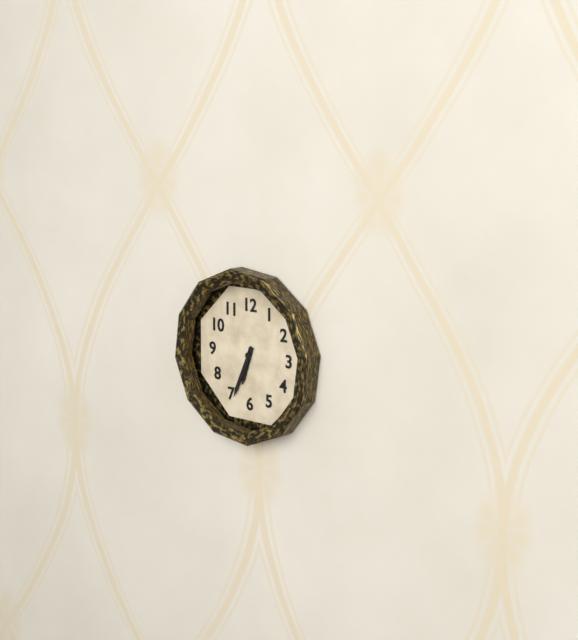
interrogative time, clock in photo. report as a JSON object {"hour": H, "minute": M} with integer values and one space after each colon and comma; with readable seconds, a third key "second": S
{"hour": 6, "minute": 34}
